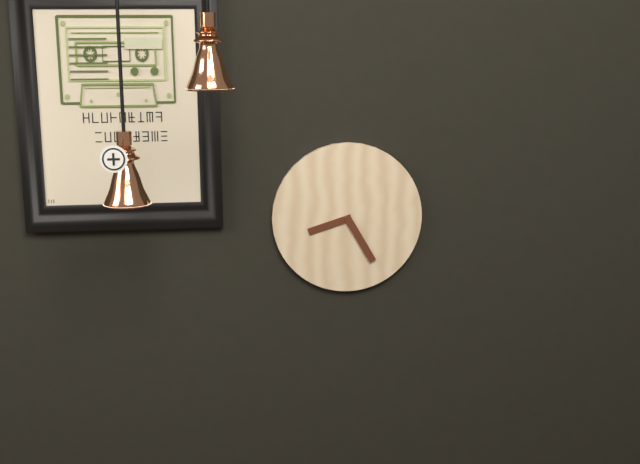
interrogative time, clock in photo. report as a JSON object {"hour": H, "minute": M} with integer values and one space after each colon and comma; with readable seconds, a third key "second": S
{"hour": 8, "minute": 25}
